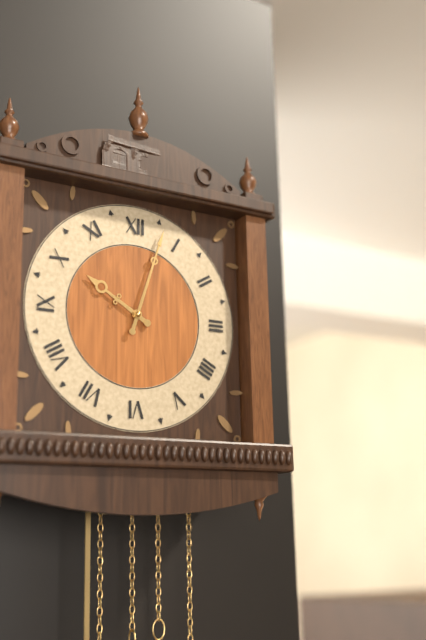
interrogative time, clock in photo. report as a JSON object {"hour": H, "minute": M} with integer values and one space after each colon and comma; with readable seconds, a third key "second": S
{"hour": 10, "minute": 3}
